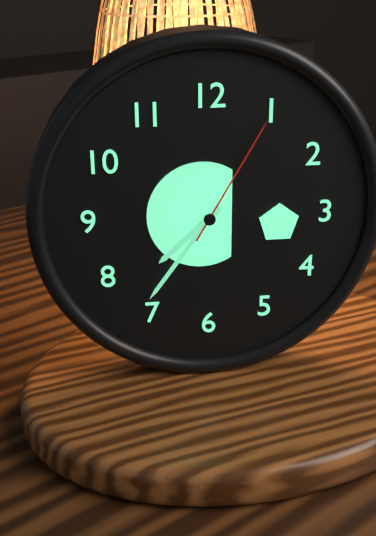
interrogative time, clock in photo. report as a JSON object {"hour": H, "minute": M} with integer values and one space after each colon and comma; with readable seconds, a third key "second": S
{"hour": 7, "minute": 36, "second": 5}
